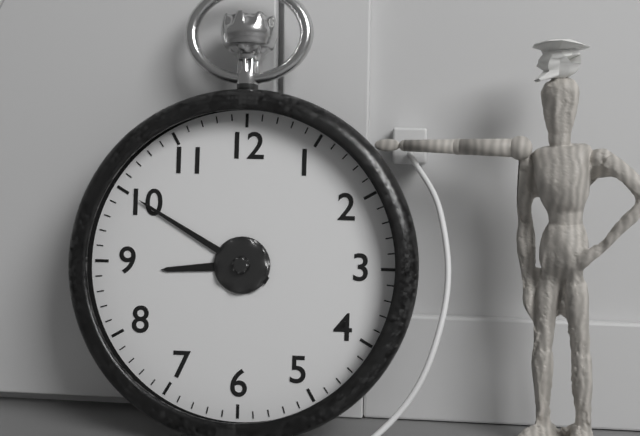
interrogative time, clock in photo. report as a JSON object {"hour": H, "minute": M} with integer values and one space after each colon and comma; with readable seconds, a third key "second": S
{"hour": 8, "minute": 50}
